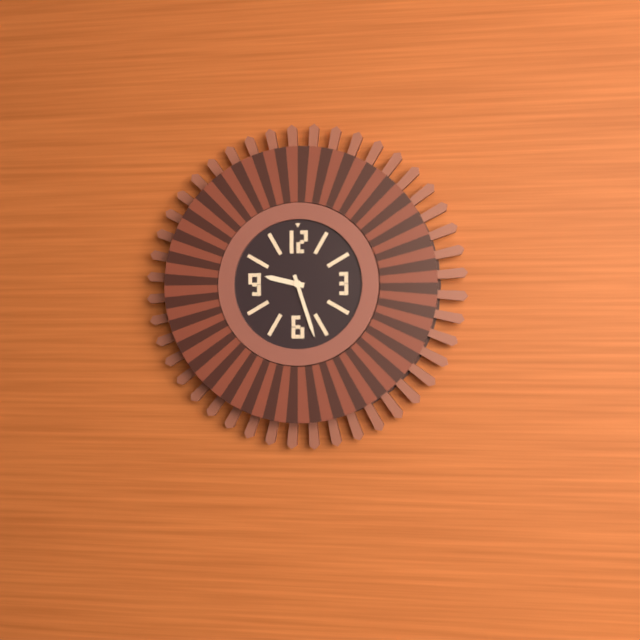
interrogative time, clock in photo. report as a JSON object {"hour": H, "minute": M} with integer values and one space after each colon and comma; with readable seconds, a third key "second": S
{"hour": 9, "minute": 27}
